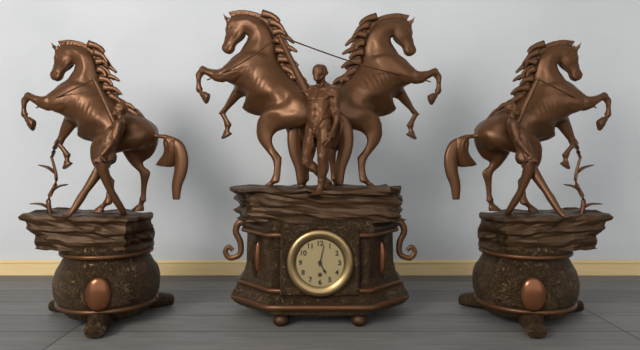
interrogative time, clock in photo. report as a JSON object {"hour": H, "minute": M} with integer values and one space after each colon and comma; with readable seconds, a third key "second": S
{"hour": 5, "minute": 2}
